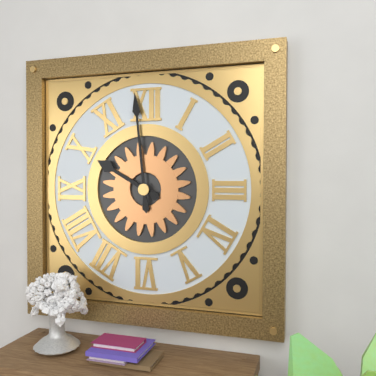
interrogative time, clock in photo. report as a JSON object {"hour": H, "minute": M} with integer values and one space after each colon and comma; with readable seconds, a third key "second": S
{"hour": 9, "minute": 59}
